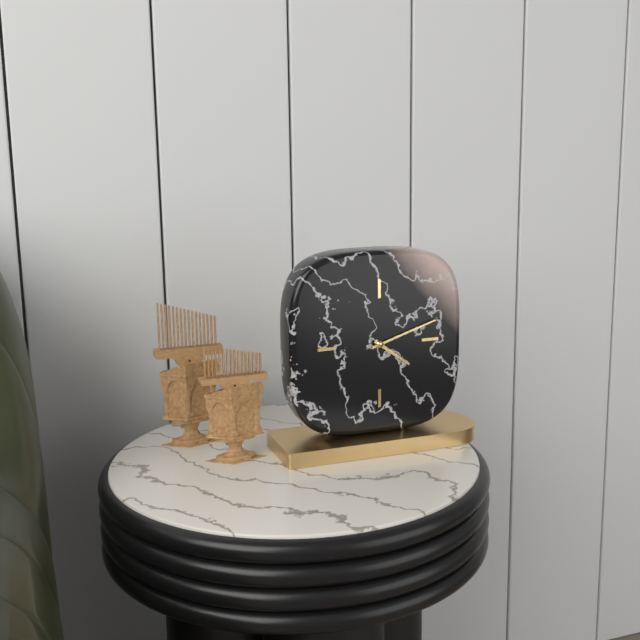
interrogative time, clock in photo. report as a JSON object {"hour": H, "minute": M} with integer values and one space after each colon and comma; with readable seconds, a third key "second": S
{"hour": 4, "minute": 12}
